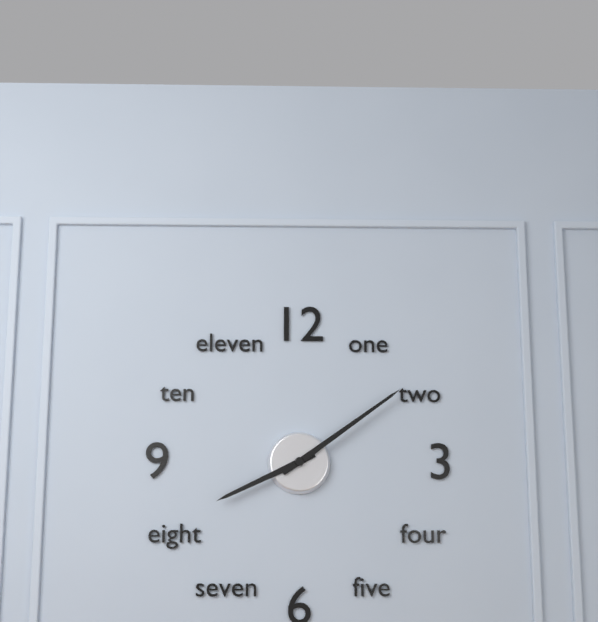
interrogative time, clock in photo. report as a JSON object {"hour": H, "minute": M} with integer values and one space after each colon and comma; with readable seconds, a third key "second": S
{"hour": 8, "minute": 9}
